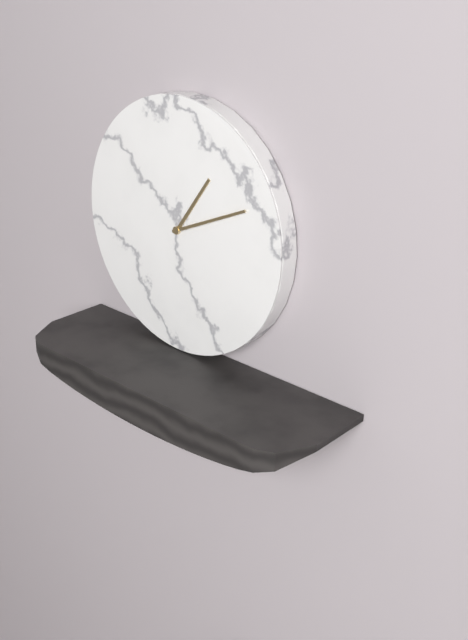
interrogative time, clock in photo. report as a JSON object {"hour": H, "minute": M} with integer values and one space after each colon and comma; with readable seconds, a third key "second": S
{"hour": 1, "minute": 11}
